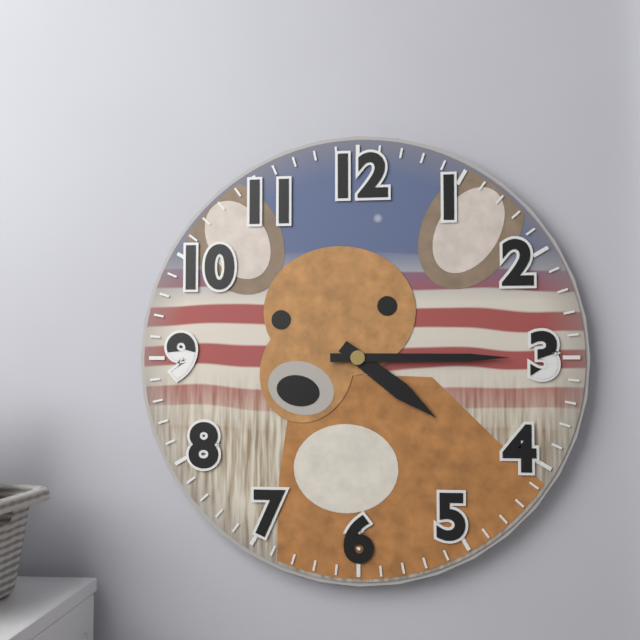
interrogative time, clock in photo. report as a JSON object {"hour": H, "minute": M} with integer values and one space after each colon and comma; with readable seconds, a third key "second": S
{"hour": 4, "minute": 15}
